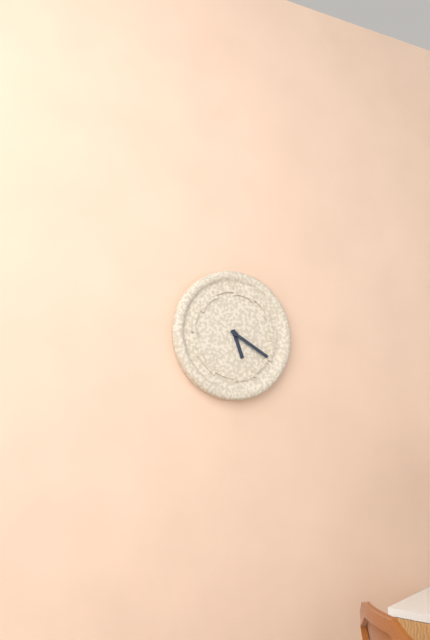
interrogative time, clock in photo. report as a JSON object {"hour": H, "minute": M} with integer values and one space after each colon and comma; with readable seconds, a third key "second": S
{"hour": 5, "minute": 20}
